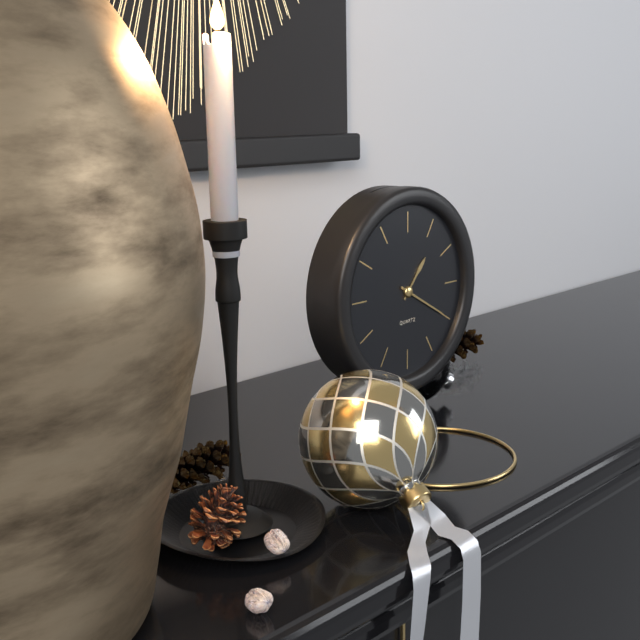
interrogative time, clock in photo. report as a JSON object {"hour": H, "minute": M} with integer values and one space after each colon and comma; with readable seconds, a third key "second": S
{"hour": 1, "minute": 20}
